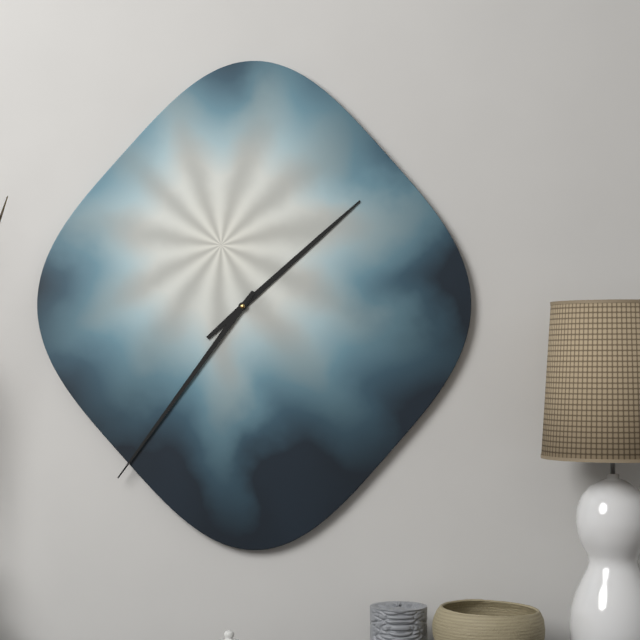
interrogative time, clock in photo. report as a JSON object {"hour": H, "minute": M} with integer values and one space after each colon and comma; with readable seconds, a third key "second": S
{"hour": 1, "minute": 36}
